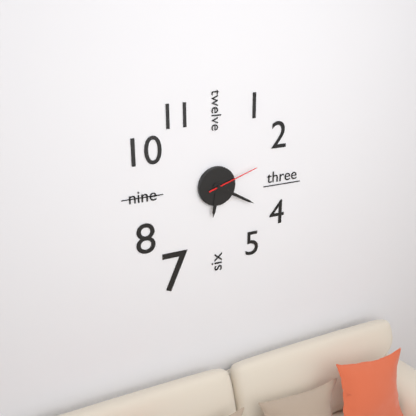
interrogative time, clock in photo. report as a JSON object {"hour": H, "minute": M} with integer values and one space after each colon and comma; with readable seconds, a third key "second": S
{"hour": 6, "minute": 20, "second": 12}
